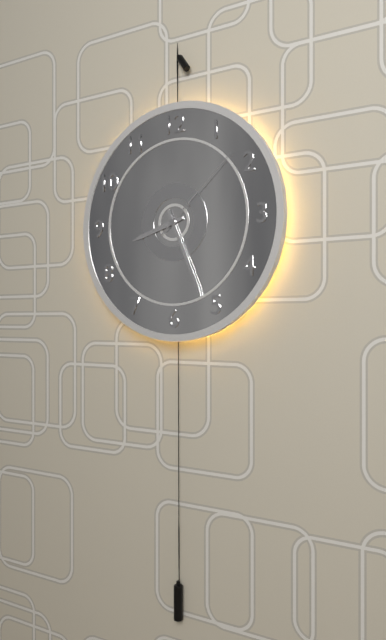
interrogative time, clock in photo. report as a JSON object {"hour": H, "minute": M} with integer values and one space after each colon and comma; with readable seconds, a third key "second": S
{"hour": 8, "minute": 26, "second": 8}
